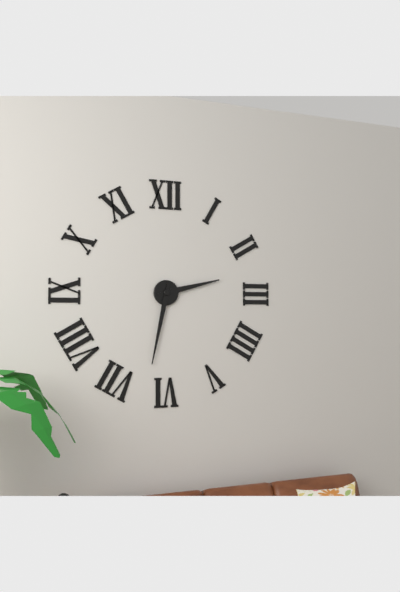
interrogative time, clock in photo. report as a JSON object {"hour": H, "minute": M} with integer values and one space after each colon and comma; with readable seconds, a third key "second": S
{"hour": 2, "minute": 32}
